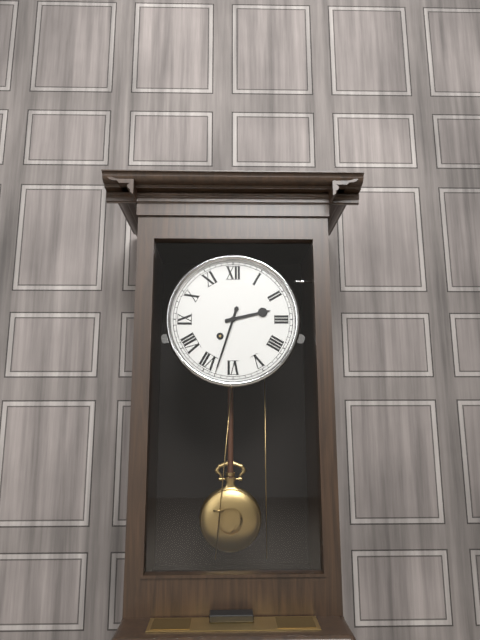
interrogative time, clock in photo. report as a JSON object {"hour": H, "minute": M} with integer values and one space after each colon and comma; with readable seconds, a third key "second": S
{"hour": 2, "minute": 33}
